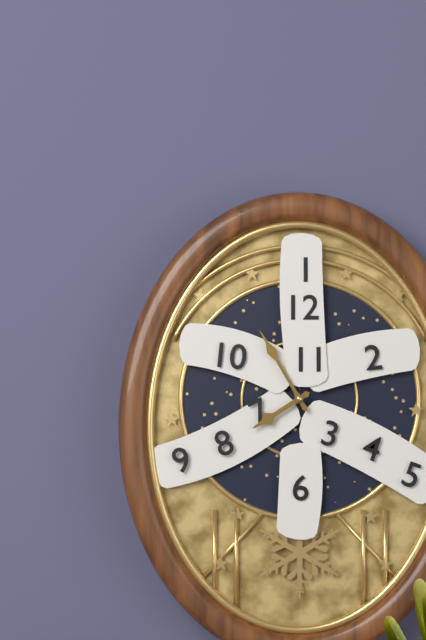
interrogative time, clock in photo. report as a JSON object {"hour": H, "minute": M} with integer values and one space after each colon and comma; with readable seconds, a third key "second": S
{"hour": 7, "minute": 55}
